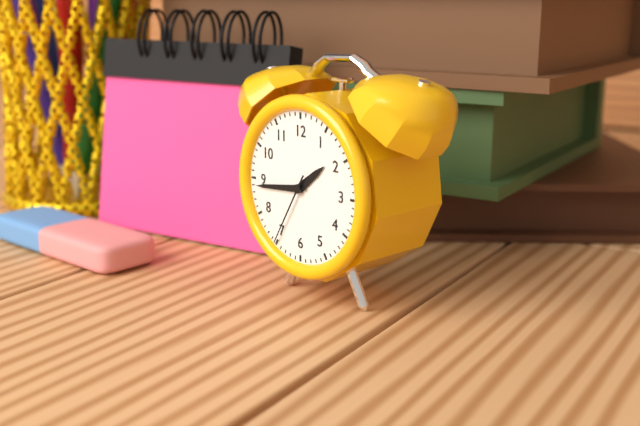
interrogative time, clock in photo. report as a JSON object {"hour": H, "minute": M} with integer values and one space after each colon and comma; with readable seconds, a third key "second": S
{"hour": 1, "minute": 44, "second": 35}
